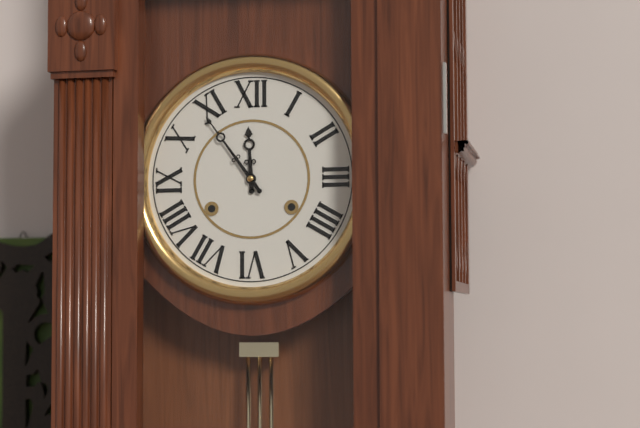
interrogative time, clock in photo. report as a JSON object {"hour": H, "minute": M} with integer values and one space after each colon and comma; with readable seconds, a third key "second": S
{"hour": 11, "minute": 54}
